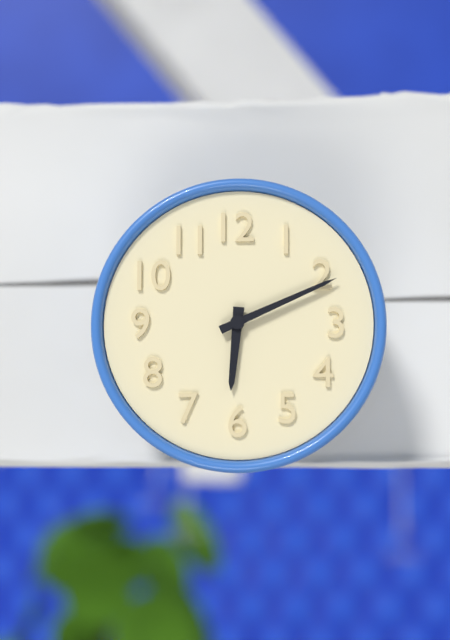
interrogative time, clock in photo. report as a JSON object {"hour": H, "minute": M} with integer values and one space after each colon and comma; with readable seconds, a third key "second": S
{"hour": 6, "minute": 11}
